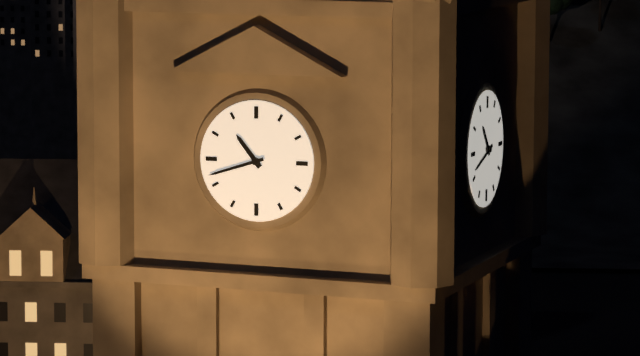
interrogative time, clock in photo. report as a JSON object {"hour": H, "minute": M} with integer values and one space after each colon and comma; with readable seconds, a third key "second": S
{"hour": 10, "minute": 42}
